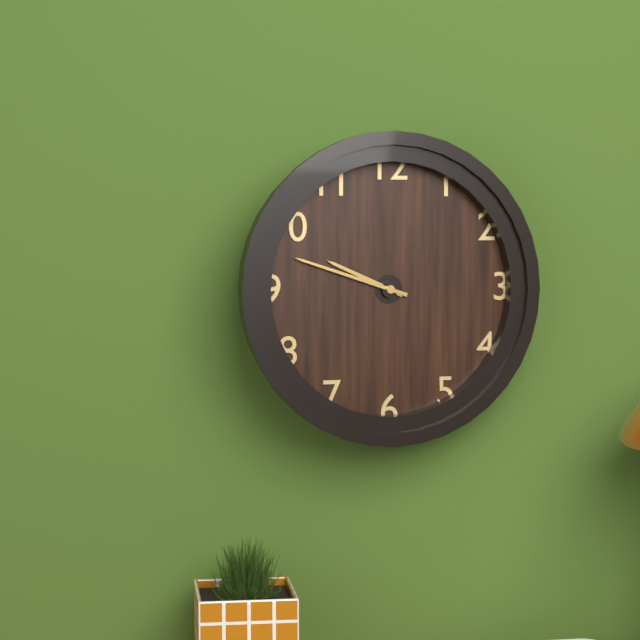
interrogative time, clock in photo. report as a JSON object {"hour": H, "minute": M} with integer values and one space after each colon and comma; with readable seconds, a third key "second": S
{"hour": 9, "minute": 48}
